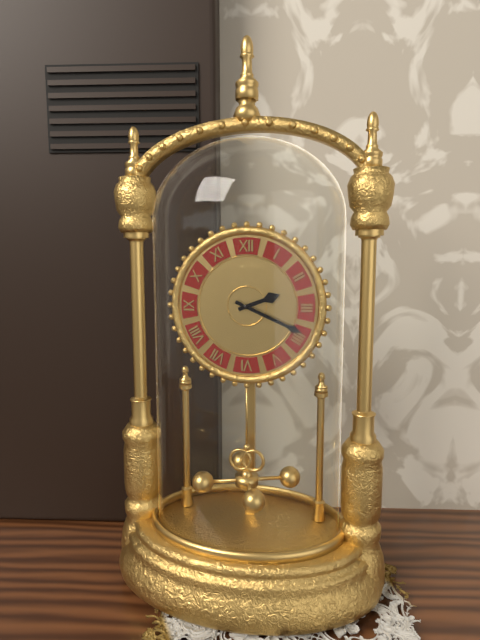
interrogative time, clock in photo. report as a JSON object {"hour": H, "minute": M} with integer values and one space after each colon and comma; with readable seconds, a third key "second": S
{"hour": 2, "minute": 19}
